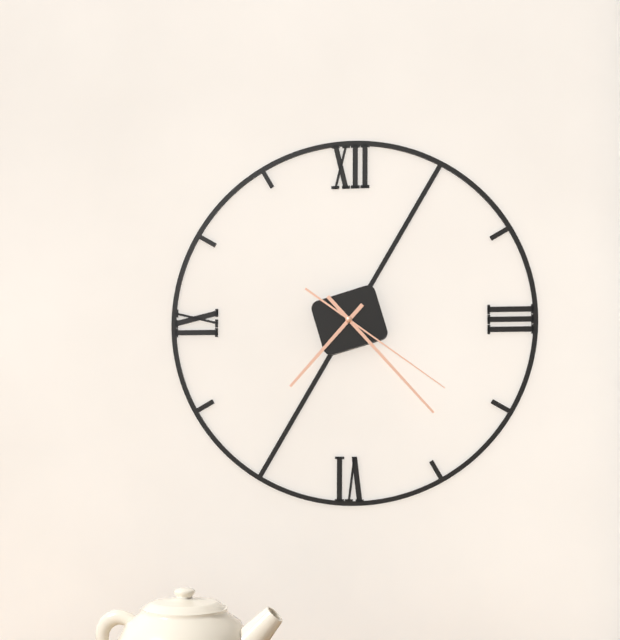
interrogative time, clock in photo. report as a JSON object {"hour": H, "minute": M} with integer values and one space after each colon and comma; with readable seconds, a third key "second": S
{"hour": 7, "minute": 23, "second": 21}
